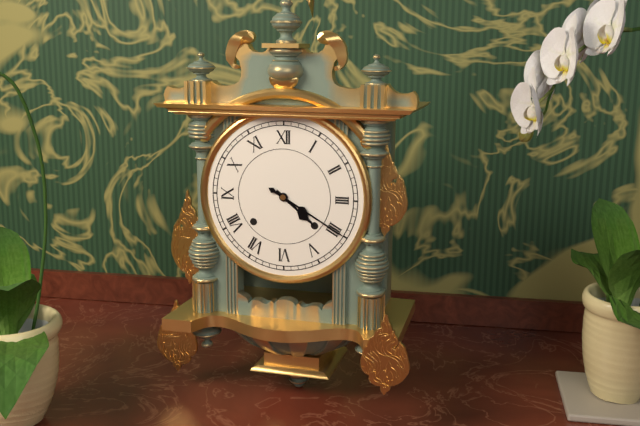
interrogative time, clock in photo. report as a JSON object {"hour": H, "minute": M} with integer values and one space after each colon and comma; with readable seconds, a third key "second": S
{"hour": 4, "minute": 20}
